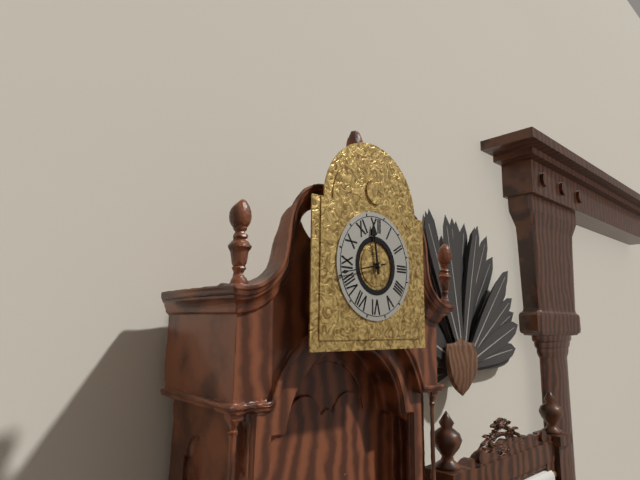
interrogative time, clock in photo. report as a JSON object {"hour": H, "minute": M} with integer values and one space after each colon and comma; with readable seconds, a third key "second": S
{"hour": 11, "minute": 43}
